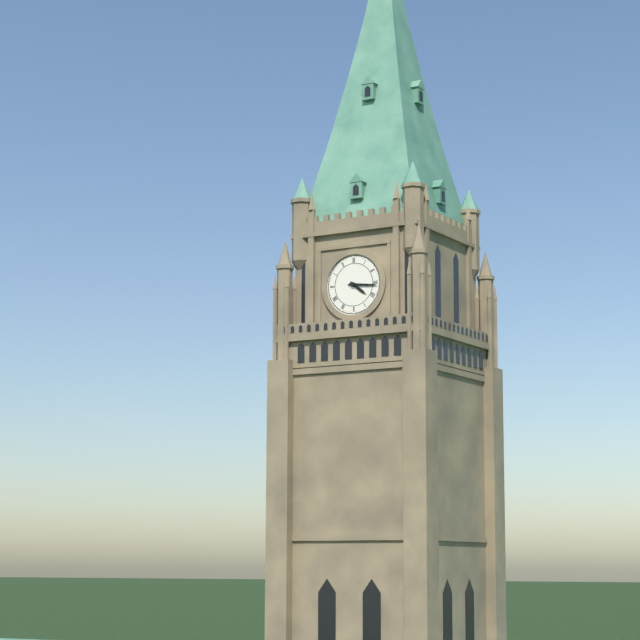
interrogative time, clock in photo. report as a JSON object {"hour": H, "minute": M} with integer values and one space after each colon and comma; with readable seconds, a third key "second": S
{"hour": 4, "minute": 16}
